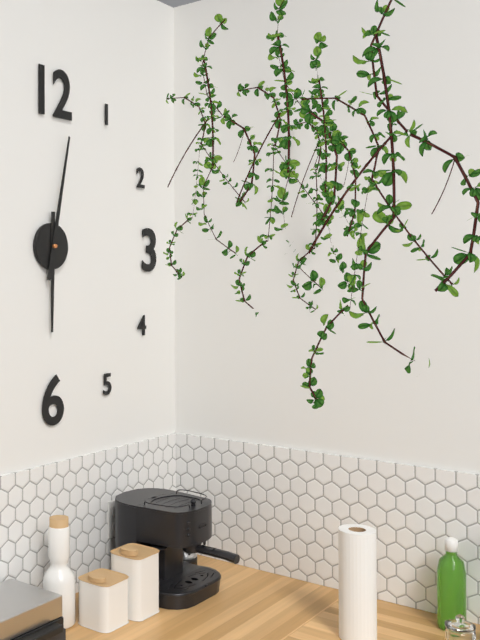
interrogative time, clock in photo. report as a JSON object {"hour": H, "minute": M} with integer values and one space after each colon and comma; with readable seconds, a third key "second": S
{"hour": 6, "minute": 2}
